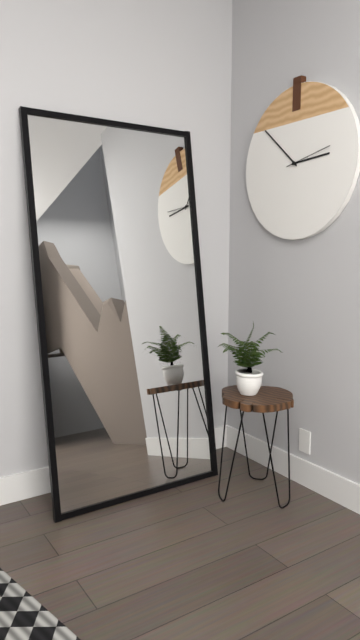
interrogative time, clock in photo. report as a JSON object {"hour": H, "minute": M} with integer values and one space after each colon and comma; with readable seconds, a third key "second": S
{"hour": 2, "minute": 52, "second": 13}
